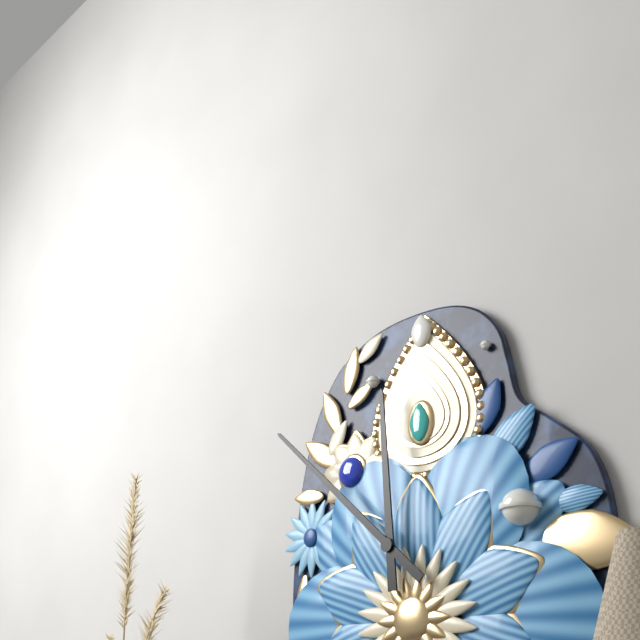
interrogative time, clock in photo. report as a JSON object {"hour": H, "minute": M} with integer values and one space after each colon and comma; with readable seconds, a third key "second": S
{"hour": 11, "minute": 52}
